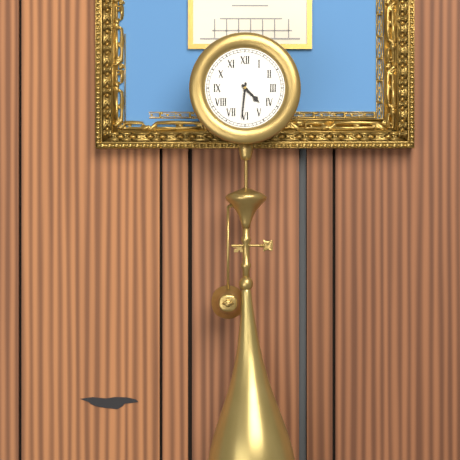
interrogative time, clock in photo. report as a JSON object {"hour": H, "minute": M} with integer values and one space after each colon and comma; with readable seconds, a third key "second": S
{"hour": 4, "minute": 31}
